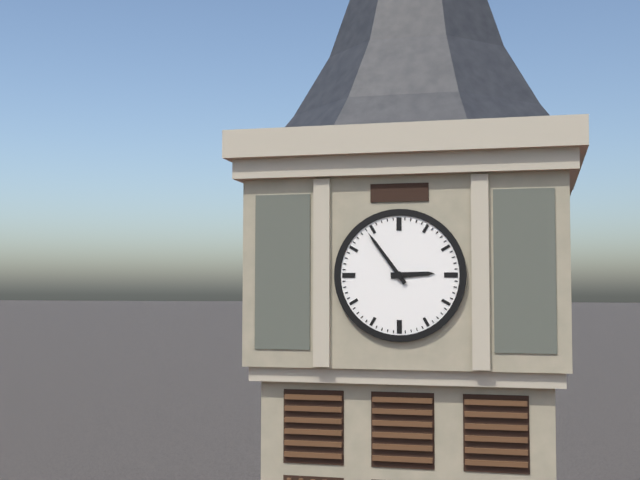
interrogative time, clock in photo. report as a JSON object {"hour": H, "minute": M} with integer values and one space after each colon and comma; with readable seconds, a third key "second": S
{"hour": 2, "minute": 54}
